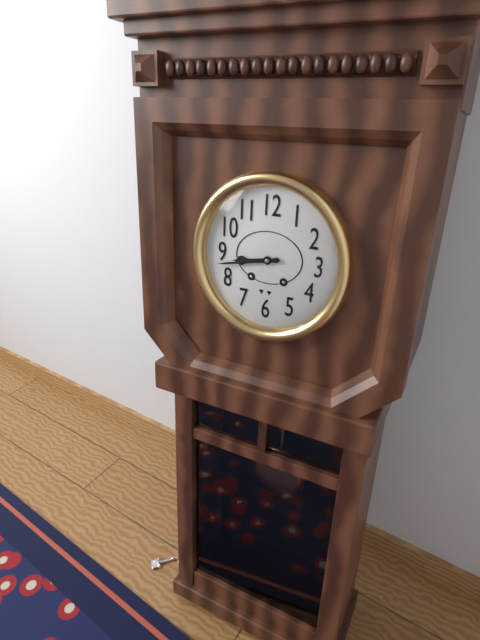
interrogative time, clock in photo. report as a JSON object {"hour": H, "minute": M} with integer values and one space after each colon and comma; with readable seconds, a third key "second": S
{"hour": 8, "minute": 43}
